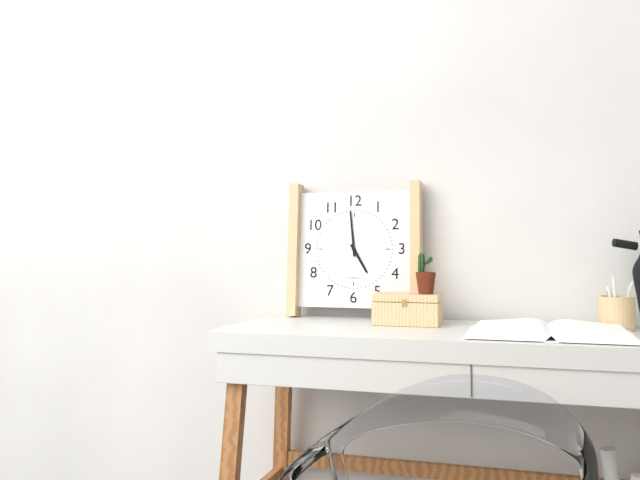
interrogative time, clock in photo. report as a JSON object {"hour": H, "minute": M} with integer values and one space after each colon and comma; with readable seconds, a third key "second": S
{"hour": 4, "minute": 59}
